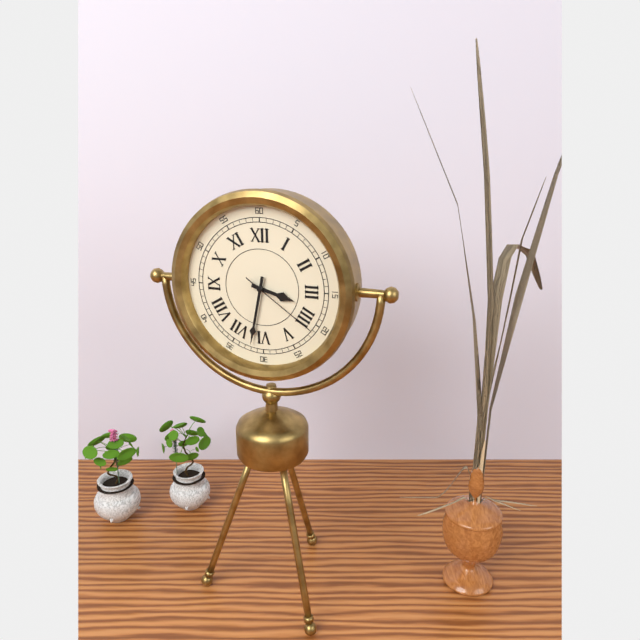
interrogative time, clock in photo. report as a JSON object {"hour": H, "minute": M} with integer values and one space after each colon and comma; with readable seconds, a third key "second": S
{"hour": 3, "minute": 32, "second": 21}
